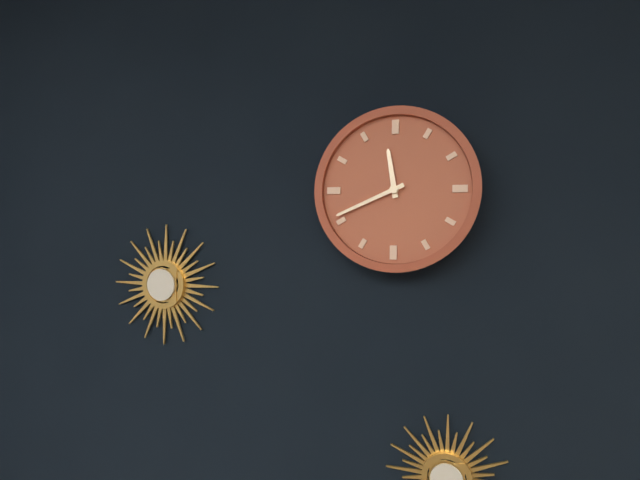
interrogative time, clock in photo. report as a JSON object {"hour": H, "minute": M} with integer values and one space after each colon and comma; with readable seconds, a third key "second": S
{"hour": 11, "minute": 41}
